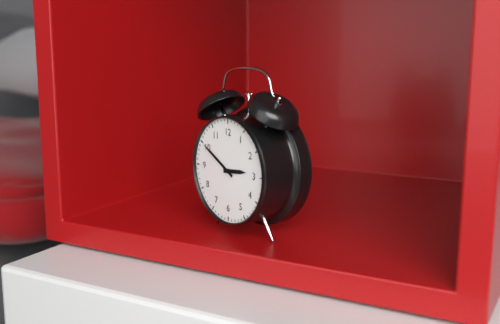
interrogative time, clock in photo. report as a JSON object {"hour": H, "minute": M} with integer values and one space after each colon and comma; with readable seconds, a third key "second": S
{"hour": 2, "minute": 50}
